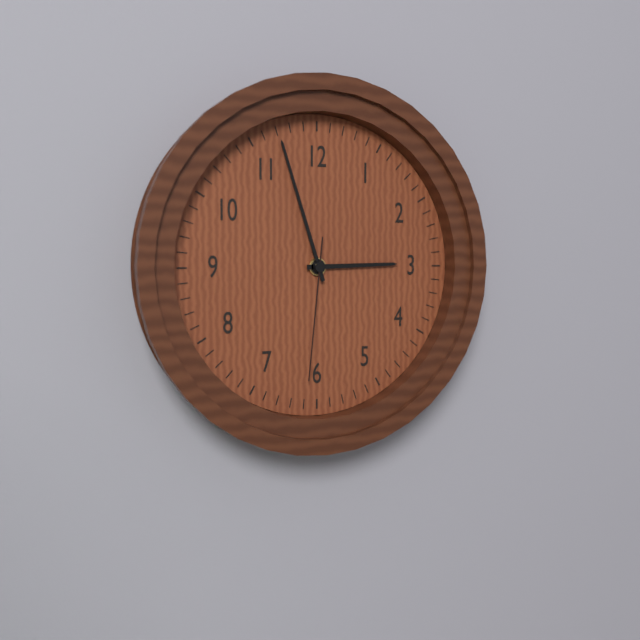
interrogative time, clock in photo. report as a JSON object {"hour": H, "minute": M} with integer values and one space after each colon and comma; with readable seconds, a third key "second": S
{"hour": 2, "minute": 57, "second": 31}
